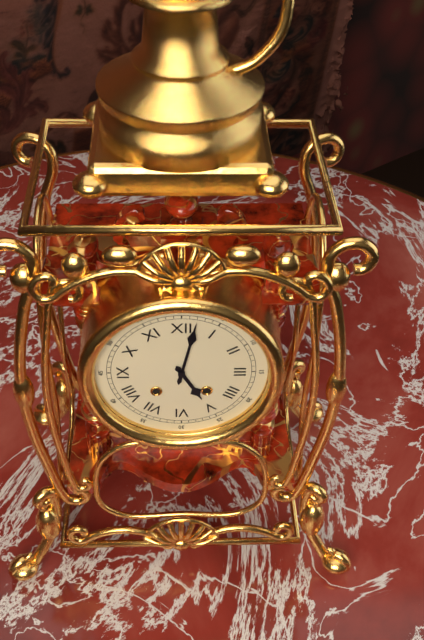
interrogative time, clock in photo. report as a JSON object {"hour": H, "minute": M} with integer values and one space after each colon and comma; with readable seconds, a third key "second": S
{"hour": 5, "minute": 2}
